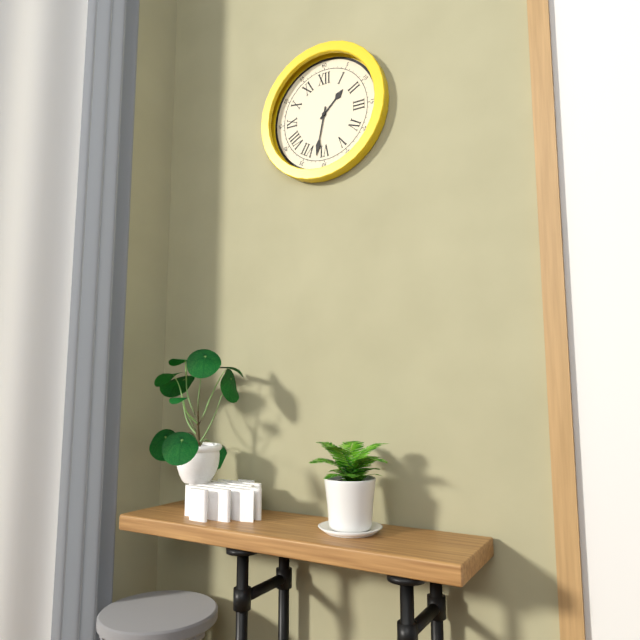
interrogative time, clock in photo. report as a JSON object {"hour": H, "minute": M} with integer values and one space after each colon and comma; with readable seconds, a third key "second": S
{"hour": 1, "minute": 32}
